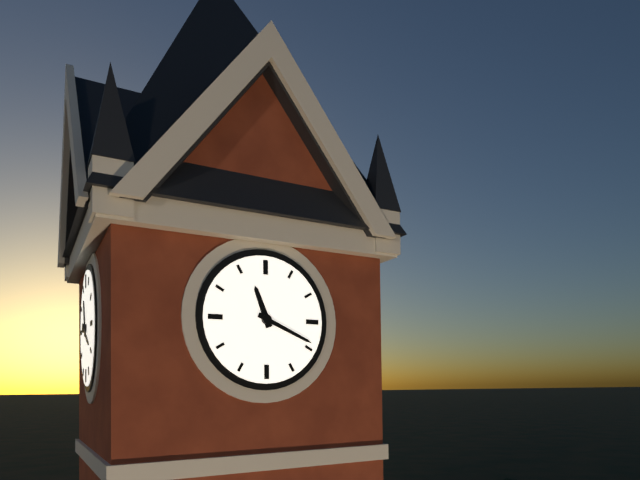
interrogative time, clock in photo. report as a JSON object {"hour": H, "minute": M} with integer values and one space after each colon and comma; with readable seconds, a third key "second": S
{"hour": 11, "minute": 19}
